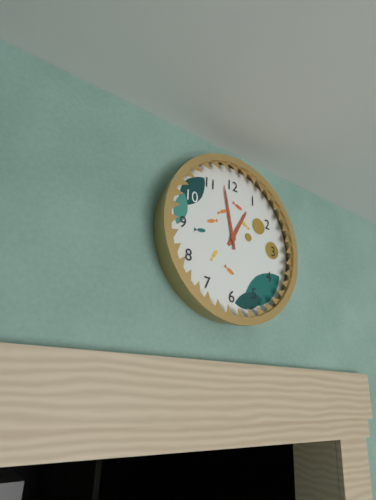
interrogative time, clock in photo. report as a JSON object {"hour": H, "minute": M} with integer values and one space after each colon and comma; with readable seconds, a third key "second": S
{"hour": 12, "minute": 58}
